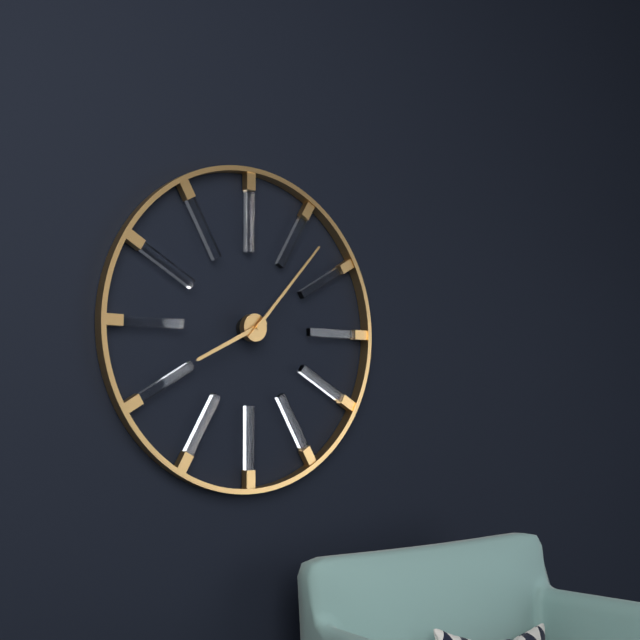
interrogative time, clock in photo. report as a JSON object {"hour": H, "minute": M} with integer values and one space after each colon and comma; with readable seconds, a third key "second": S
{"hour": 8, "minute": 7}
